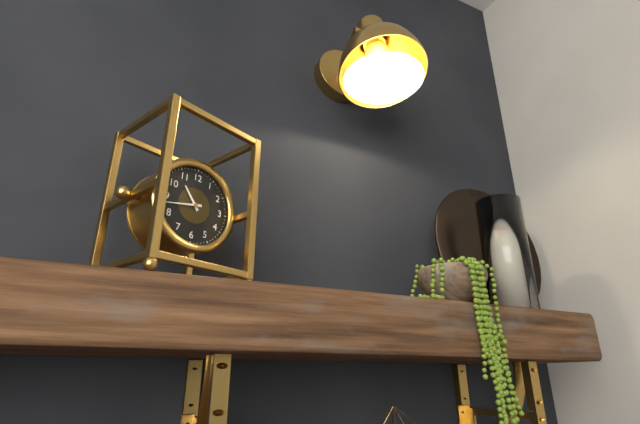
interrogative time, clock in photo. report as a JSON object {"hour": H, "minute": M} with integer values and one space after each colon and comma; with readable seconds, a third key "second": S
{"hour": 10, "minute": 43}
